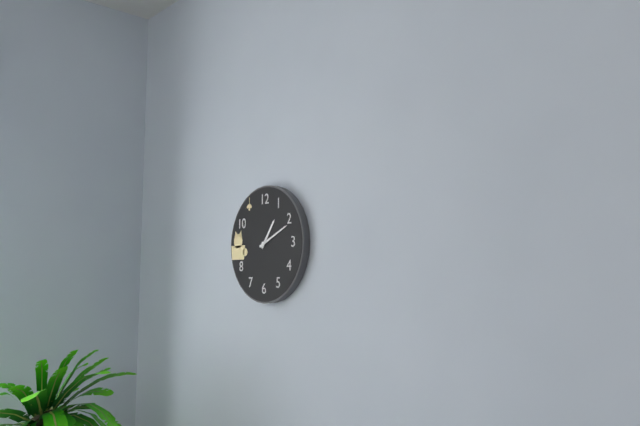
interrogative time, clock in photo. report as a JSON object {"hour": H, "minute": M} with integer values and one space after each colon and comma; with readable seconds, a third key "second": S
{"hour": 1, "minute": 11}
